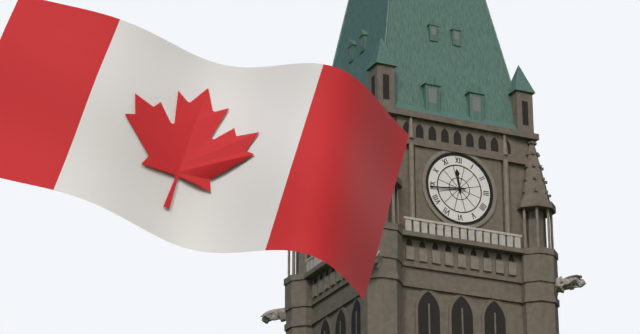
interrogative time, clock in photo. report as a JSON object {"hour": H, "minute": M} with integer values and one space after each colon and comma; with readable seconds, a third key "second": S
{"hour": 11, "minute": 44}
